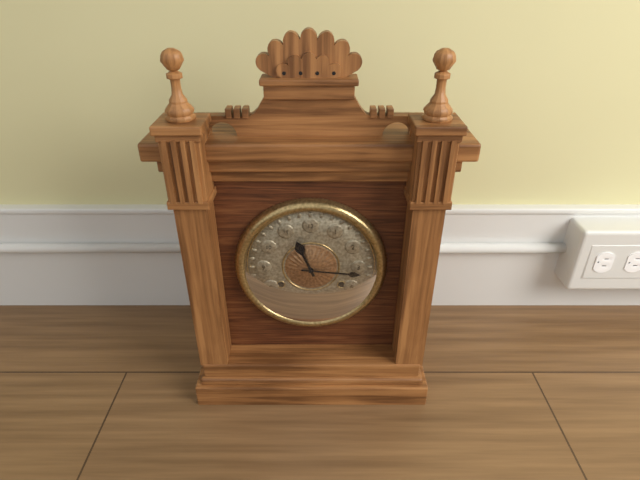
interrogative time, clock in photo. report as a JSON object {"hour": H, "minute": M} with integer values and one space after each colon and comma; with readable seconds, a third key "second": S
{"hour": 11, "minute": 16}
